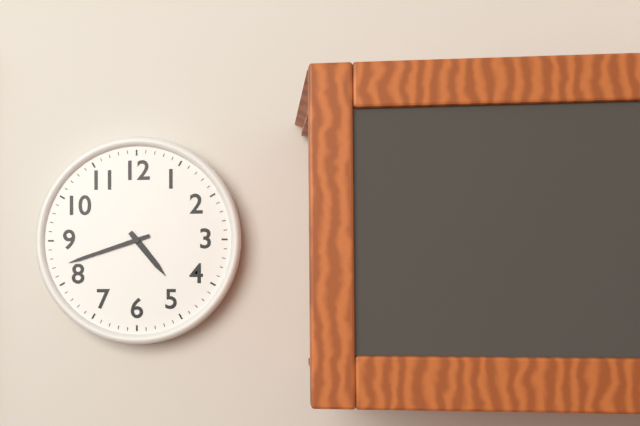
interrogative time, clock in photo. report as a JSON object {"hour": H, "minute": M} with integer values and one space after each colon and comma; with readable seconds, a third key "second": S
{"hour": 4, "minute": 42}
